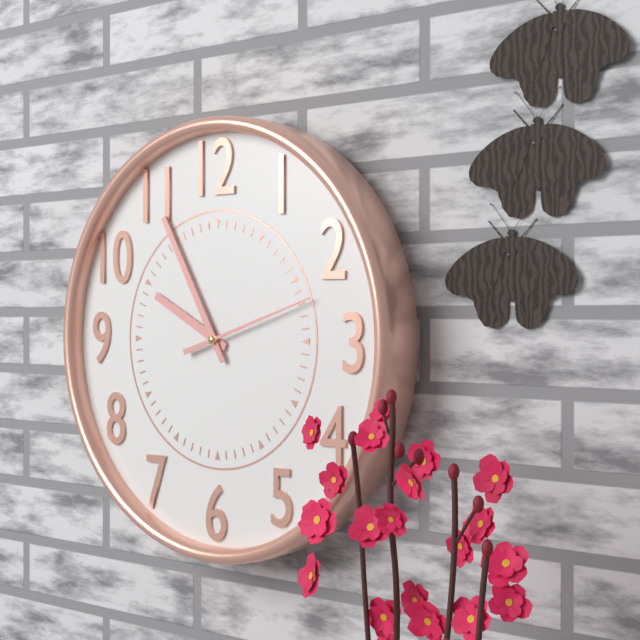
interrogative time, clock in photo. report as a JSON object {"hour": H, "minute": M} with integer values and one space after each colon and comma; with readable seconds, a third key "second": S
{"hour": 9, "minute": 55, "second": 12}
